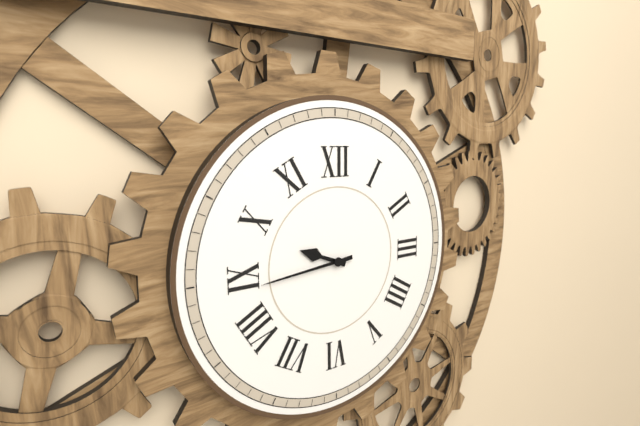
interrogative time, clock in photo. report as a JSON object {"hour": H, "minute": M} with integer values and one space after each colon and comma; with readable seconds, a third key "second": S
{"hour": 9, "minute": 44}
